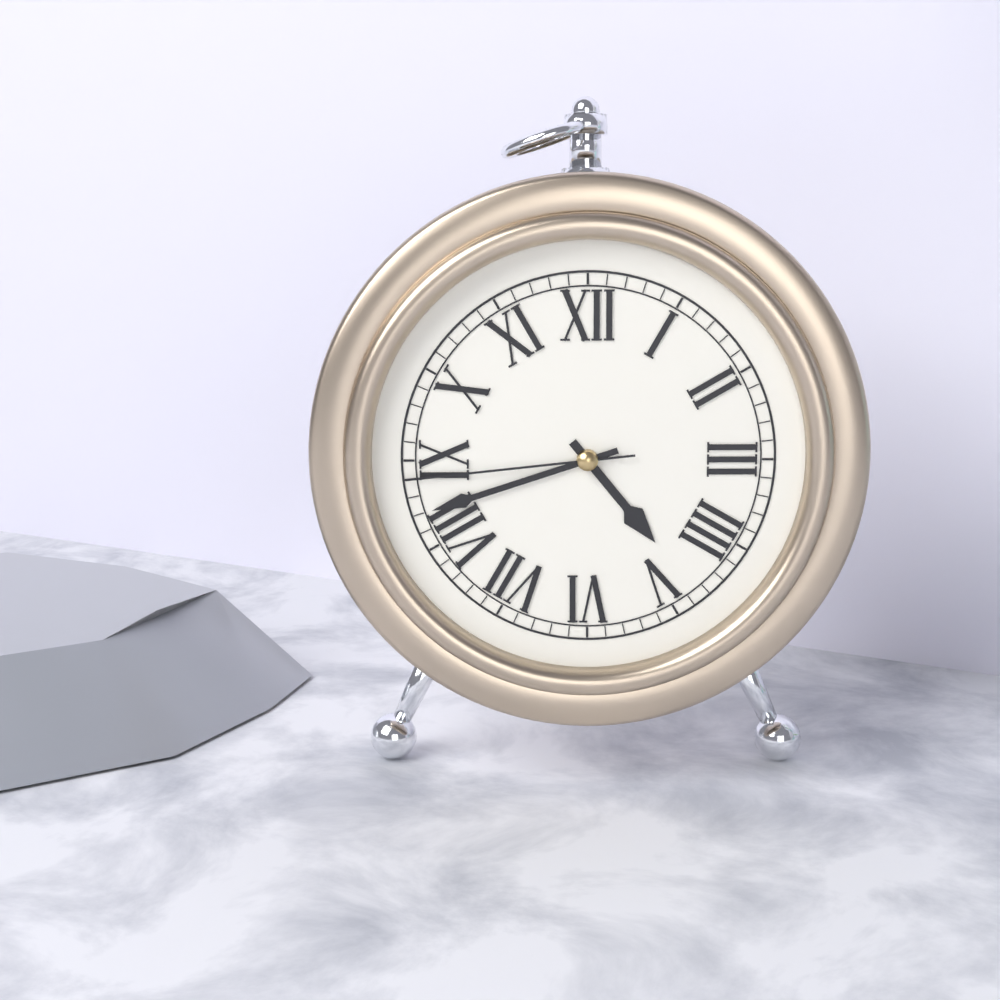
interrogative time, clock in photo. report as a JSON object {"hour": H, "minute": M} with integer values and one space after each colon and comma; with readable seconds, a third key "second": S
{"hour": 4, "minute": 42, "second": 44}
